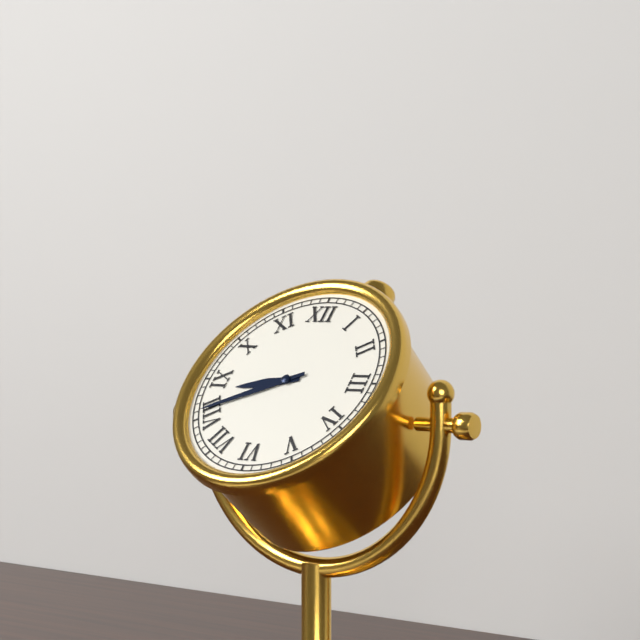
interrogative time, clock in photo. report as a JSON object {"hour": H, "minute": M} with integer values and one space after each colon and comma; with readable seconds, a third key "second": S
{"hour": 8, "minute": 41}
